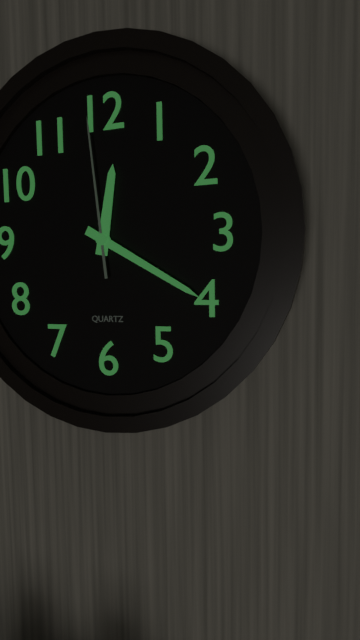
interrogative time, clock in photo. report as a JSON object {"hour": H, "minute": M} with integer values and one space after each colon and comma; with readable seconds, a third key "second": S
{"hour": 12, "minute": 20, "second": 59}
